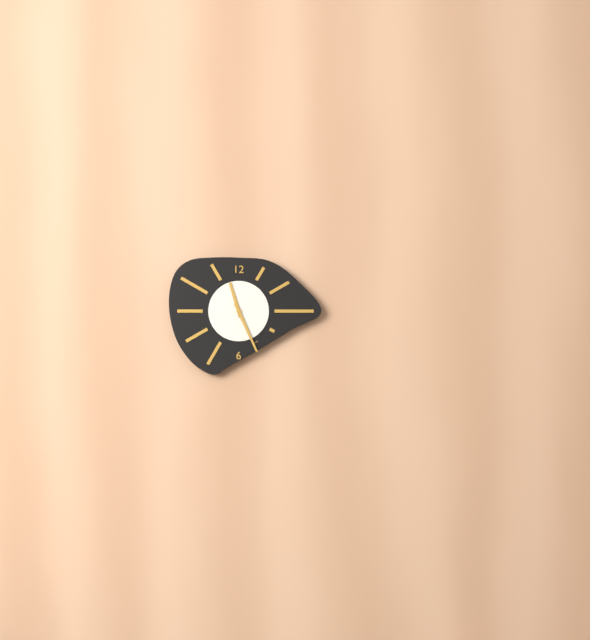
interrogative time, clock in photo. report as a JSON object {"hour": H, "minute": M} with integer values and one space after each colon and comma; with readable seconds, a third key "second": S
{"hour": 11, "minute": 26}
